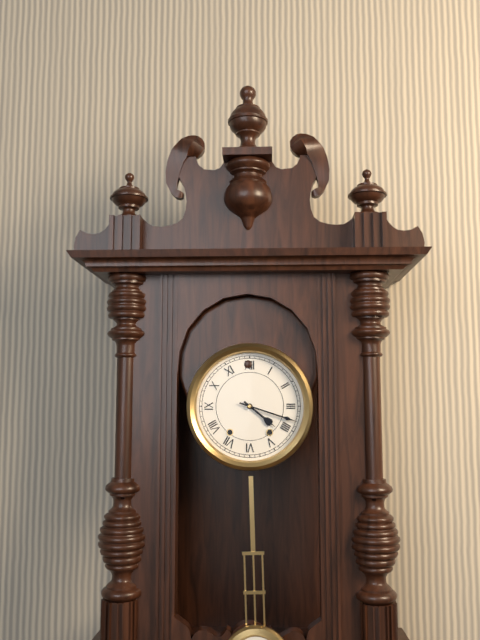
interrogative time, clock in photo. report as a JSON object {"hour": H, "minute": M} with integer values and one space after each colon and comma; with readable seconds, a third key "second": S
{"hour": 4, "minute": 18}
